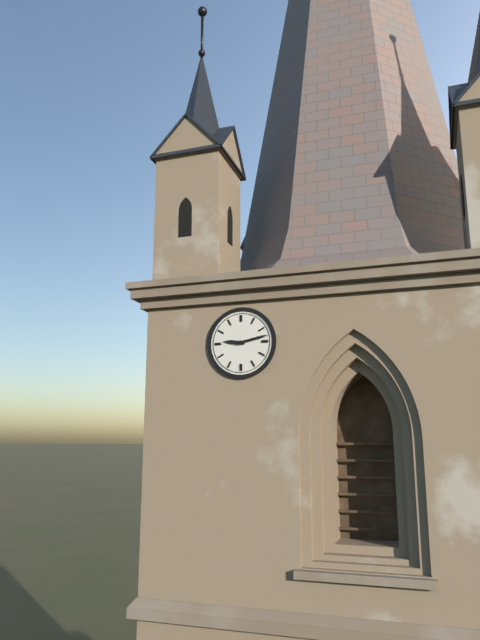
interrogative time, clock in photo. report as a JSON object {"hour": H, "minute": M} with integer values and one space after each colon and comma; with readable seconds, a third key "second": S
{"hour": 9, "minute": 13}
